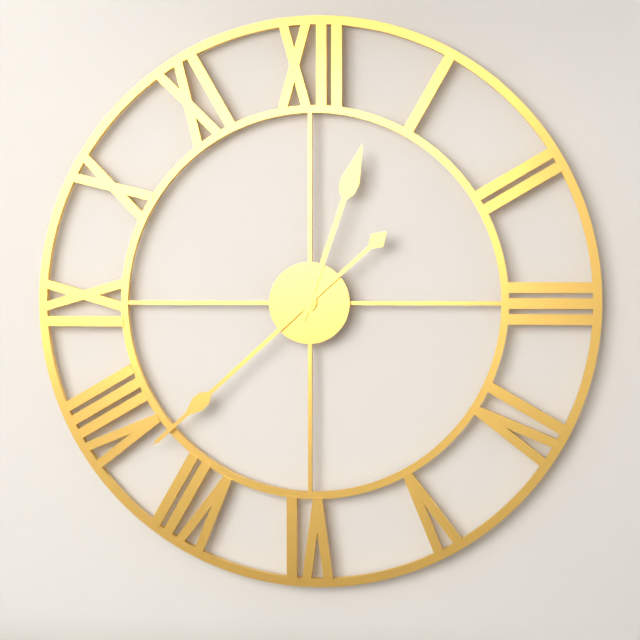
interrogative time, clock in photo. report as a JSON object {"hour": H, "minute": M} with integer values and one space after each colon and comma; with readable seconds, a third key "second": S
{"hour": 12, "minute": 38}
